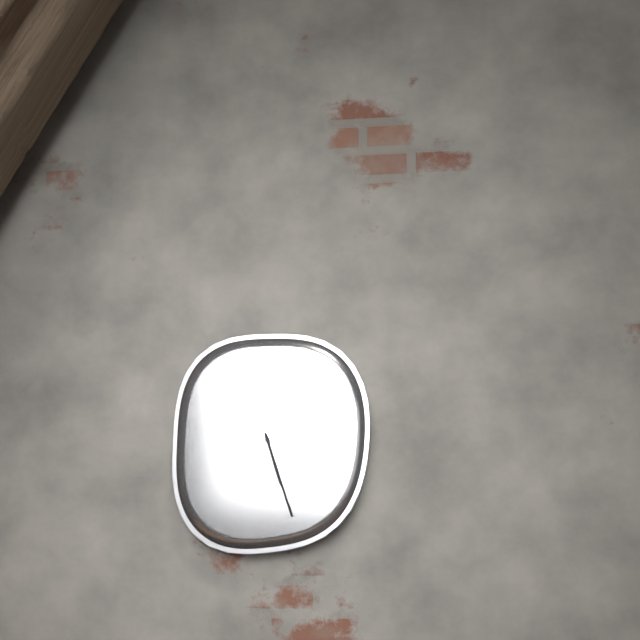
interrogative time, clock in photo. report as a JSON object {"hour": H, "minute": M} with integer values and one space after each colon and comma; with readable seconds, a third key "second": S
{"hour": 5, "minute": 27}
